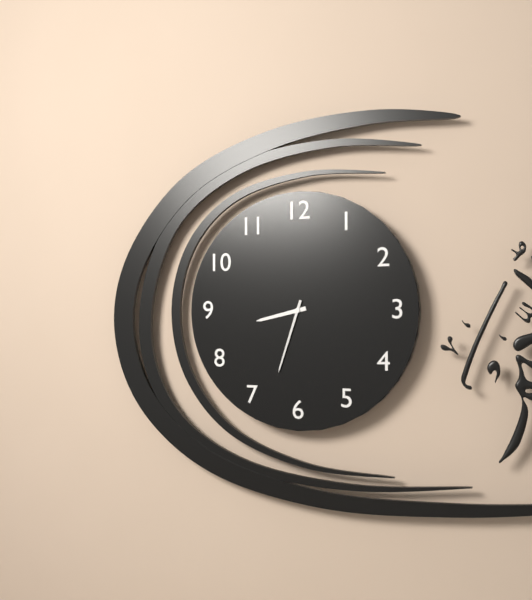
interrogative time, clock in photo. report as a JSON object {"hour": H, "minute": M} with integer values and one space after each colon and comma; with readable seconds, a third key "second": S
{"hour": 8, "minute": 33}
